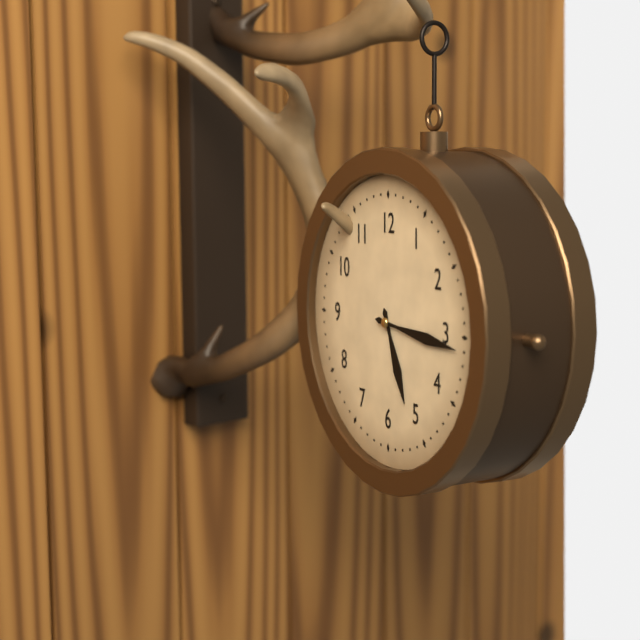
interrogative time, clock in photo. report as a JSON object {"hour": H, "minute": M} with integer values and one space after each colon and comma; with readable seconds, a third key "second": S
{"hour": 5, "minute": 16}
